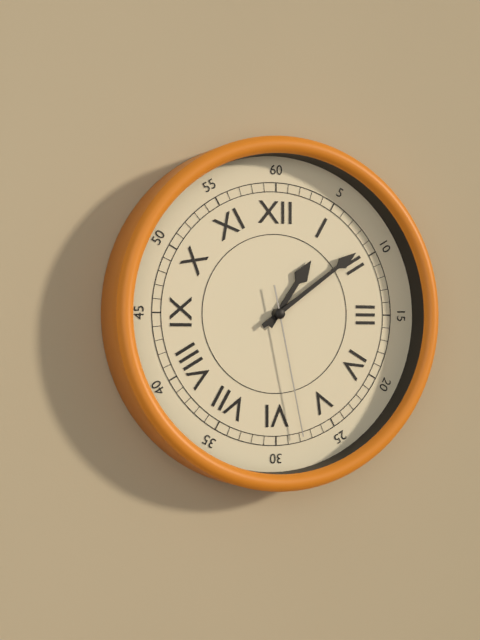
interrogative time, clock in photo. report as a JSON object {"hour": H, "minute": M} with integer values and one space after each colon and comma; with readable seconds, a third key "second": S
{"hour": 1, "minute": 9, "second": 28}
